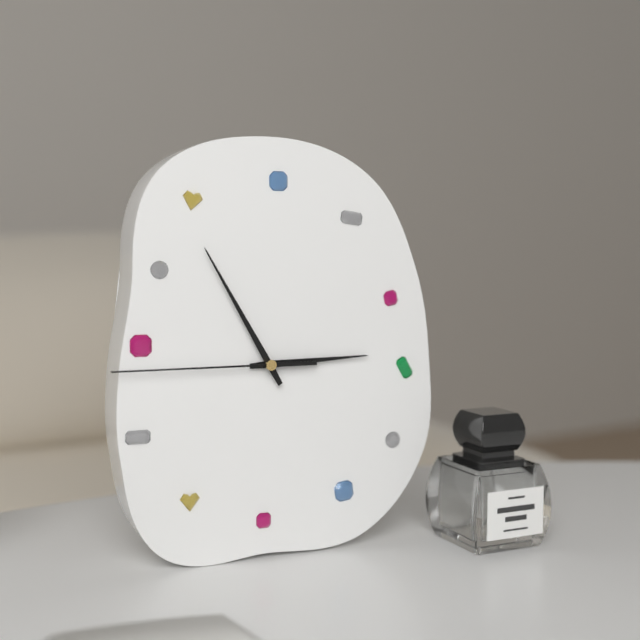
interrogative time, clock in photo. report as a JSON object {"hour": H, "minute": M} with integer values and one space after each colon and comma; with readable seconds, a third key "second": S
{"hour": 2, "minute": 55, "second": 45}
